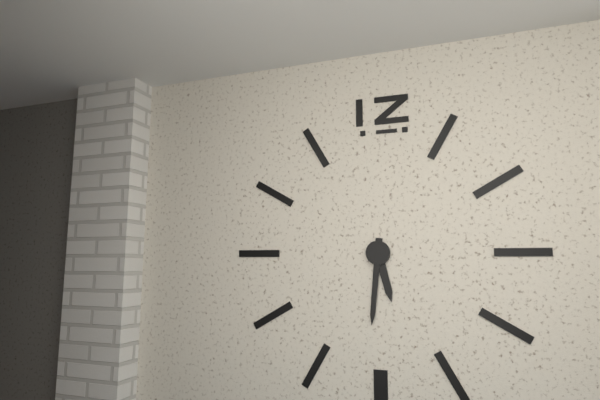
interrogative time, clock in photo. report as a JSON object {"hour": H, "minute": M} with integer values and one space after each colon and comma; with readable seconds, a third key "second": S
{"hour": 5, "minute": 31}
